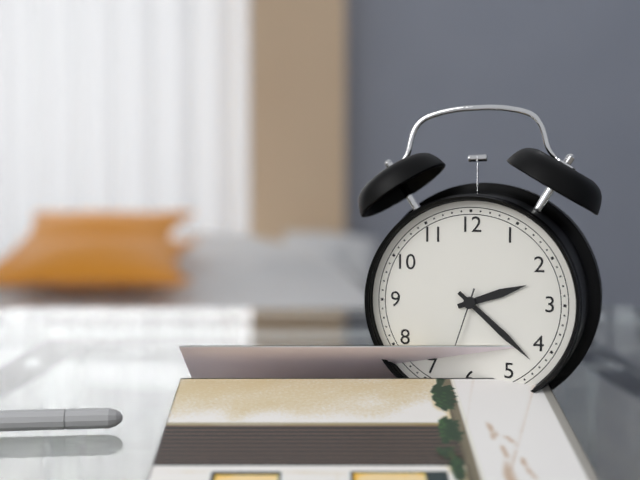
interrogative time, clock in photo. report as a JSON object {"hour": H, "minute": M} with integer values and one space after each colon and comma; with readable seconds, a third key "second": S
{"hour": 2, "minute": 22, "second": 33}
